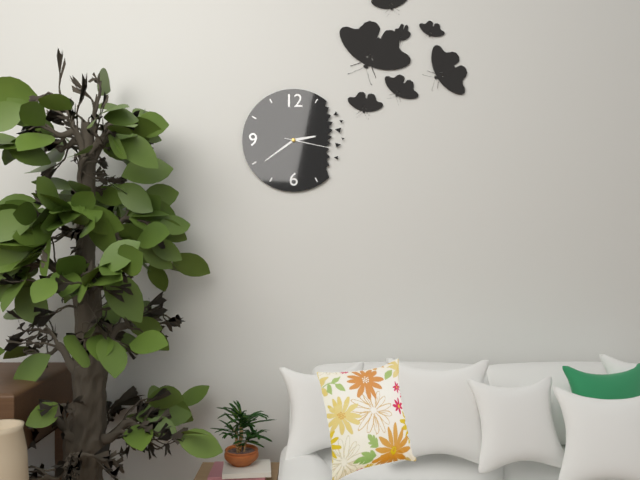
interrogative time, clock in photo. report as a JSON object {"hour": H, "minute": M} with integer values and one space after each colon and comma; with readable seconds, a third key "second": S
{"hour": 2, "minute": 39, "second": 17}
